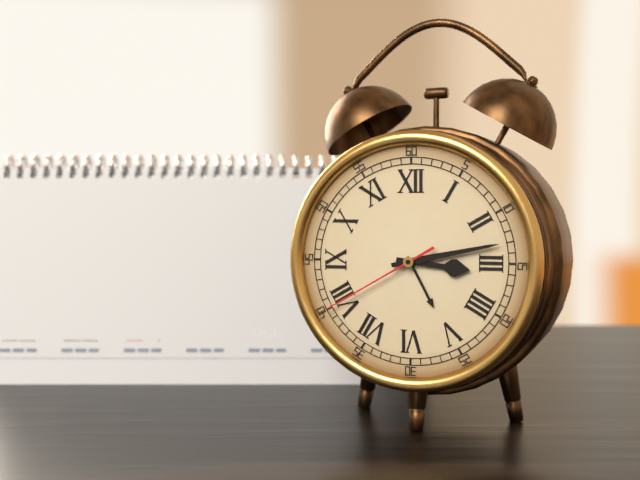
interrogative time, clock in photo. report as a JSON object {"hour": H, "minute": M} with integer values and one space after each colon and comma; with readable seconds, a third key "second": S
{"hour": 3, "minute": 13, "second": 40}
